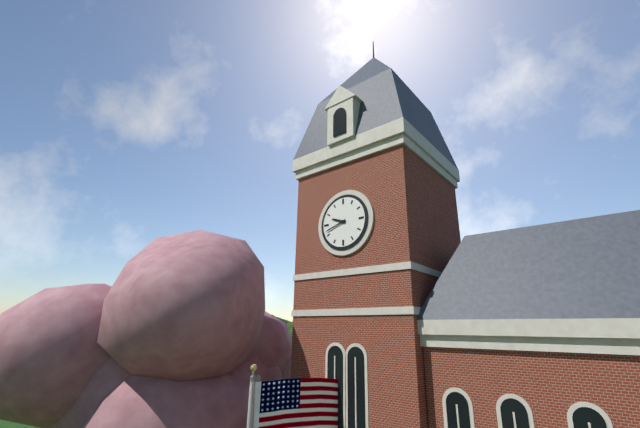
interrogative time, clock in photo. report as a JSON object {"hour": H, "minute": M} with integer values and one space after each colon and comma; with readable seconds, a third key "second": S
{"hour": 9, "minute": 42}
